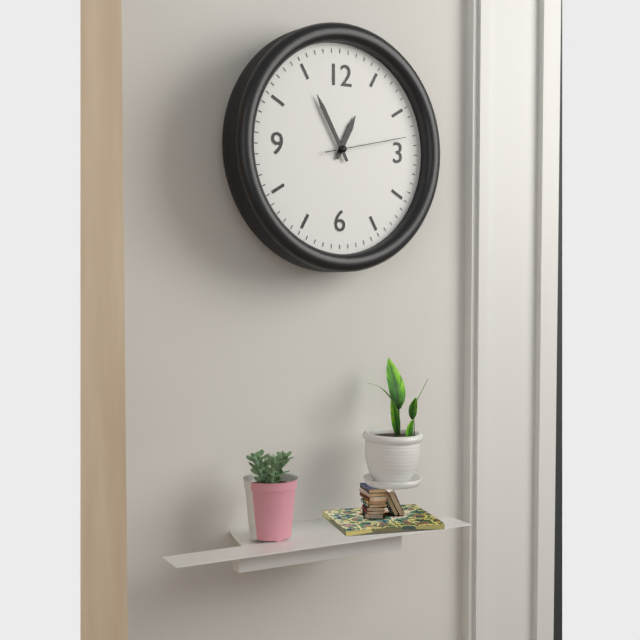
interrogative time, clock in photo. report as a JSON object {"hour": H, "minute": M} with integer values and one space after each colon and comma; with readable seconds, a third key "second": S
{"hour": 12, "minute": 55, "second": 13}
